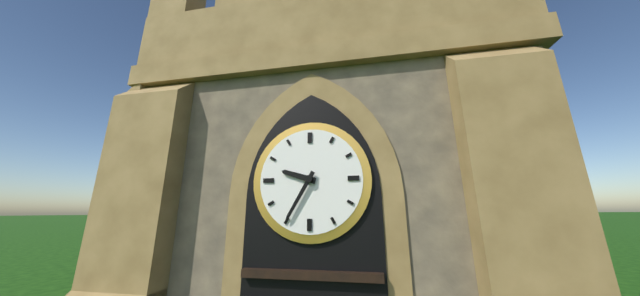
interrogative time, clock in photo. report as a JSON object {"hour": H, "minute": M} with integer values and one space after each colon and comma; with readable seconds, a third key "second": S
{"hour": 9, "minute": 35}
